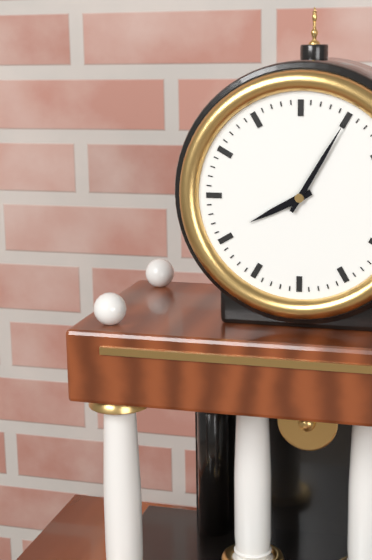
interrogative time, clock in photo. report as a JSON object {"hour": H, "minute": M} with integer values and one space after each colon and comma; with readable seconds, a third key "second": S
{"hour": 8, "minute": 5}
